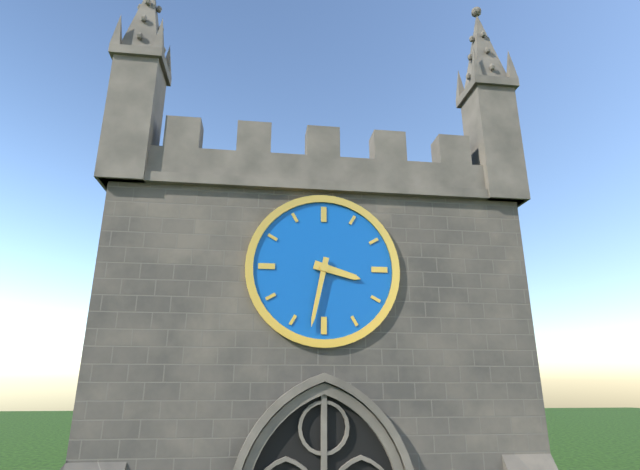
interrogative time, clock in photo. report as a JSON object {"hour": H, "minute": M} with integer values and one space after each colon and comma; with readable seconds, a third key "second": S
{"hour": 3, "minute": 32}
